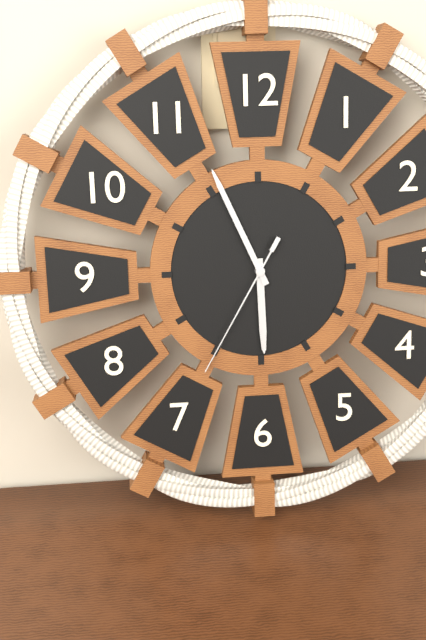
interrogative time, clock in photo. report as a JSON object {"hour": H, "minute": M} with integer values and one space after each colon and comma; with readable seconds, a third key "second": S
{"hour": 5, "minute": 56, "second": 35}
